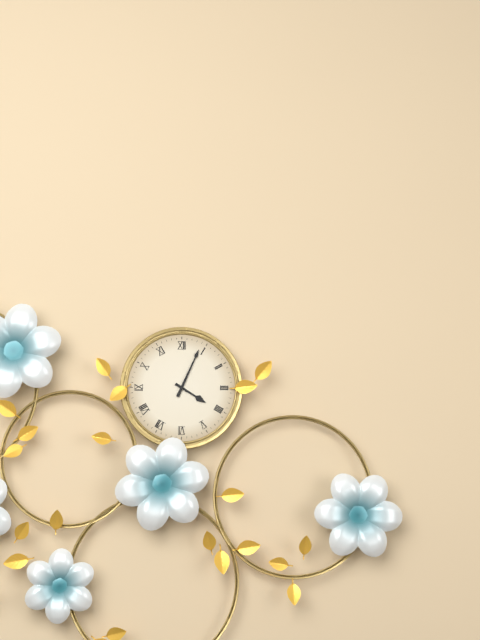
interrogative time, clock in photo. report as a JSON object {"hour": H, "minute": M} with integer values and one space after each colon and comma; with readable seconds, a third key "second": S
{"hour": 4, "minute": 4}
